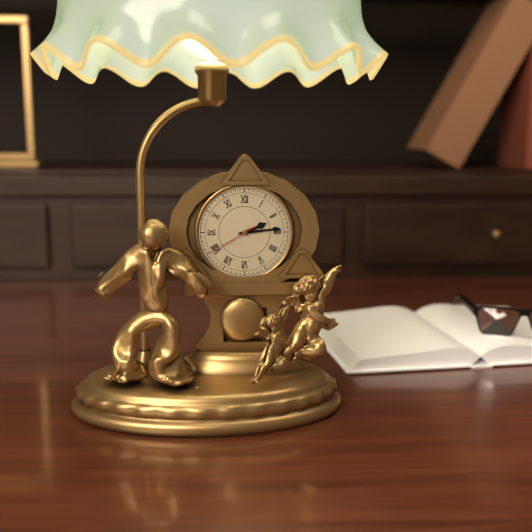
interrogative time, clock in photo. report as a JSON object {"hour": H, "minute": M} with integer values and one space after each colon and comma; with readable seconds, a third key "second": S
{"hour": 2, "minute": 14, "second": 40}
